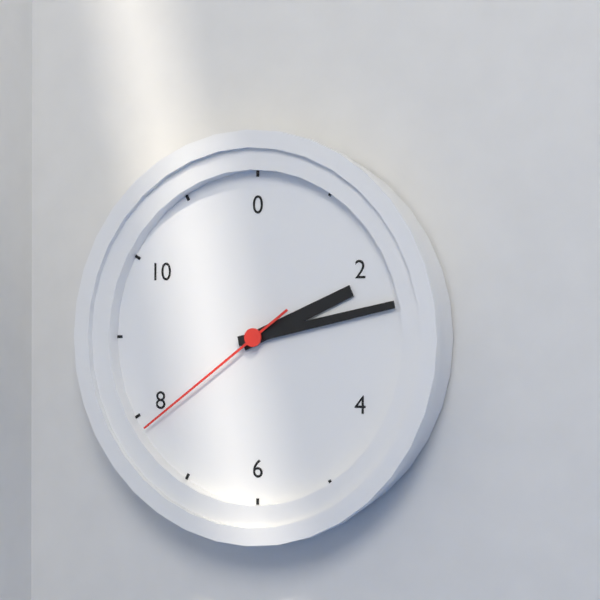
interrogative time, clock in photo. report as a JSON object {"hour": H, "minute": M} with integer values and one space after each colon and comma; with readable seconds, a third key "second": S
{"hour": 2, "minute": 13, "second": 39}
